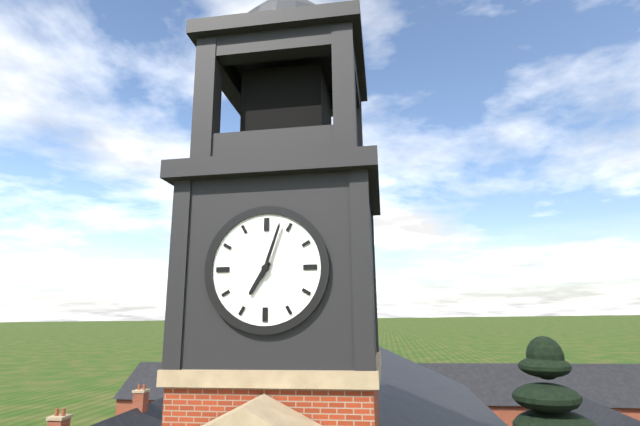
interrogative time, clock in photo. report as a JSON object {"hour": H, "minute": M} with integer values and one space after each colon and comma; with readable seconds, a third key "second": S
{"hour": 7, "minute": 3}
